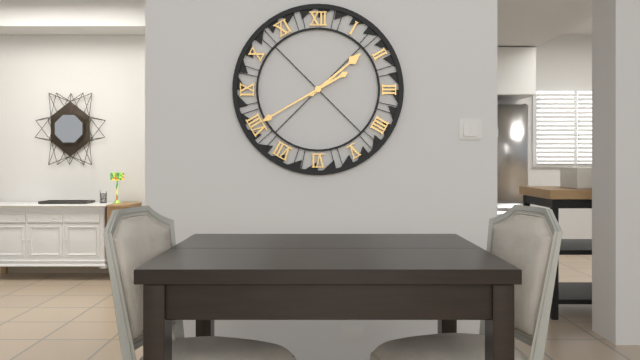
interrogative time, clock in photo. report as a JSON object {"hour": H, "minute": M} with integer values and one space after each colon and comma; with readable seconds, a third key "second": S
{"hour": 1, "minute": 40}
